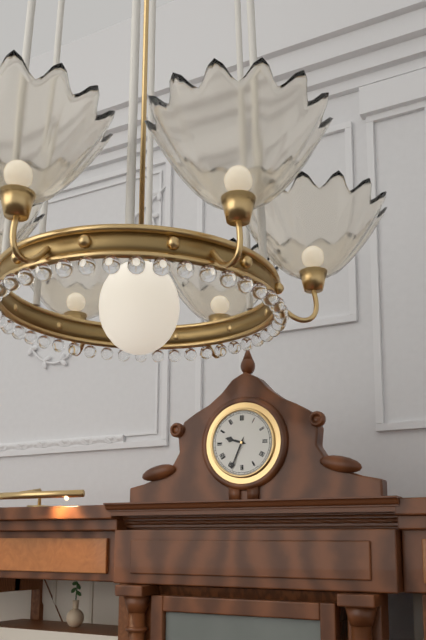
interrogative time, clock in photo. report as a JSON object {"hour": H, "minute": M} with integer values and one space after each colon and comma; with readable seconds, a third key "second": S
{"hour": 9, "minute": 34}
